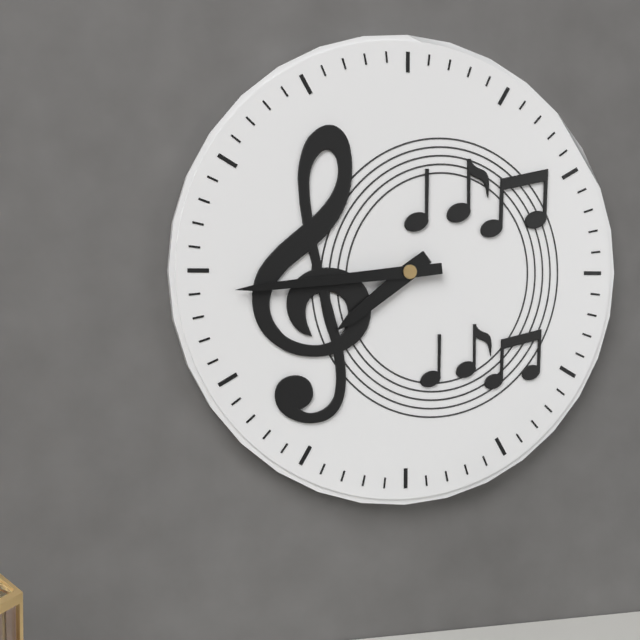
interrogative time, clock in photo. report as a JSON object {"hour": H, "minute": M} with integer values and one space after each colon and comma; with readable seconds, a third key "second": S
{"hour": 7, "minute": 44}
